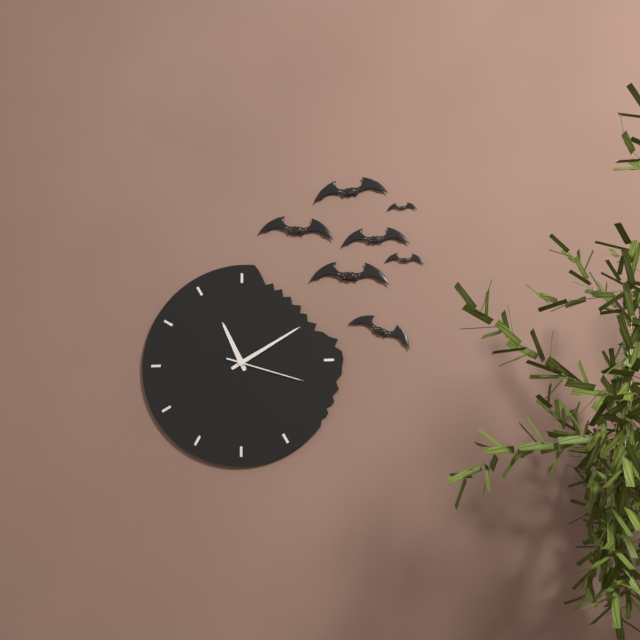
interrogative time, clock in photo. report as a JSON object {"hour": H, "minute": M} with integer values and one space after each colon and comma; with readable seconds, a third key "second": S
{"hour": 11, "minute": 10, "second": 18}
